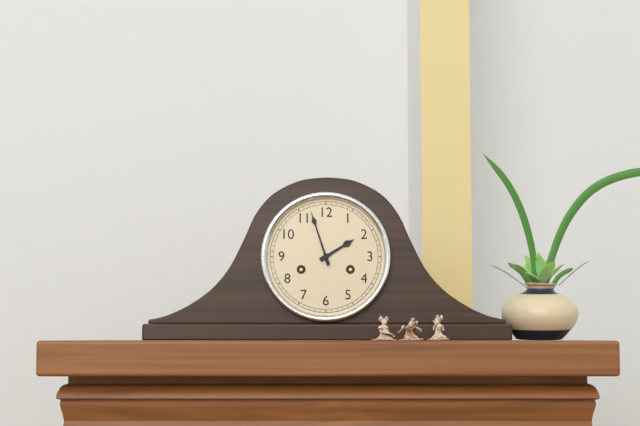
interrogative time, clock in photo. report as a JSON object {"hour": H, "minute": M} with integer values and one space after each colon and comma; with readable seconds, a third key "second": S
{"hour": 1, "minute": 57}
